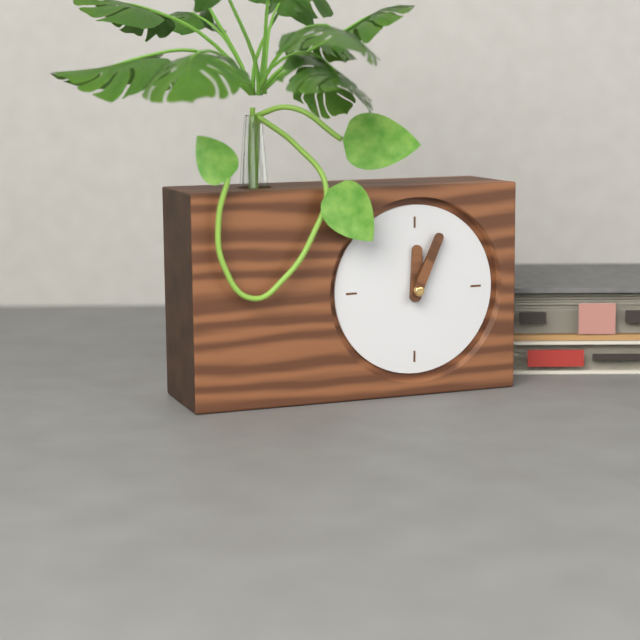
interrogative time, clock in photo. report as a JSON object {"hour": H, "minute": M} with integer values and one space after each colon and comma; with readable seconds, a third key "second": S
{"hour": 12, "minute": 4}
